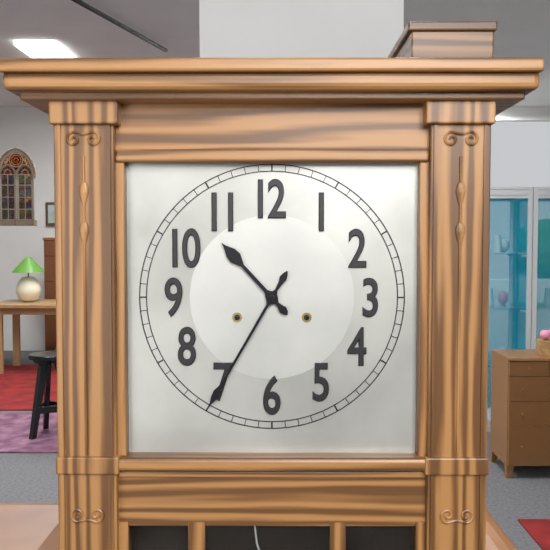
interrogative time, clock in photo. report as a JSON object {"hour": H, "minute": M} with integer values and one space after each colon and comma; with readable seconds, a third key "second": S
{"hour": 10, "minute": 35}
